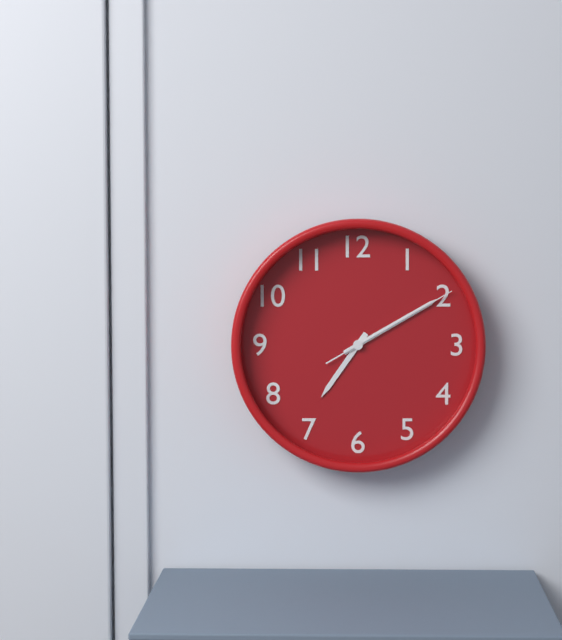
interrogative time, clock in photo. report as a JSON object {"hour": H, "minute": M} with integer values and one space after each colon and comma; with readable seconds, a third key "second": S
{"hour": 7, "minute": 10, "second": 10}
